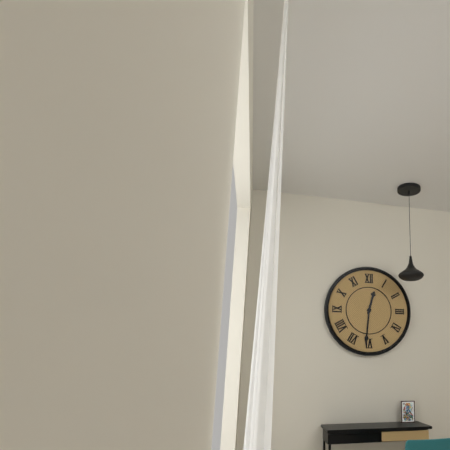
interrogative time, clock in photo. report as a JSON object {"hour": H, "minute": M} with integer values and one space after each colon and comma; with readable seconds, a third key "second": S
{"hour": 12, "minute": 31}
